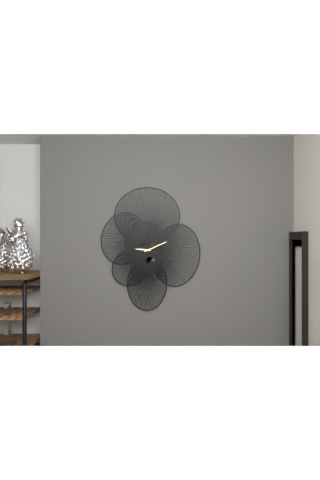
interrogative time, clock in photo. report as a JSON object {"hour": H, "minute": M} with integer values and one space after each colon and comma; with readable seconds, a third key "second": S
{"hour": 9, "minute": 11}
